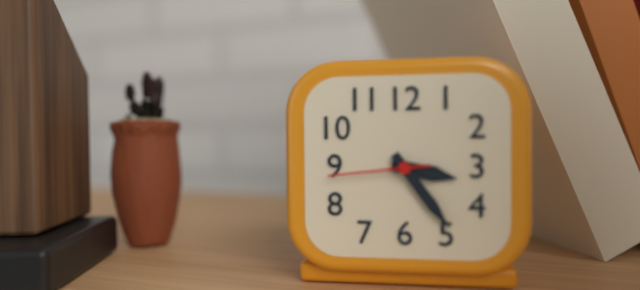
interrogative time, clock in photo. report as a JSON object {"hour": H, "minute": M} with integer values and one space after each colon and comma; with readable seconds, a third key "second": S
{"hour": 3, "minute": 24, "second": 44}
